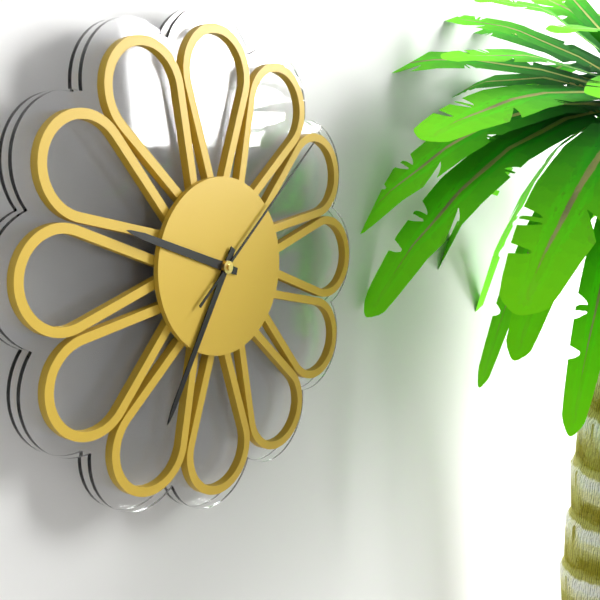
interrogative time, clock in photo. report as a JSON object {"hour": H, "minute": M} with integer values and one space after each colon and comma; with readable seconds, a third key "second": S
{"hour": 9, "minute": 35, "second": 8}
